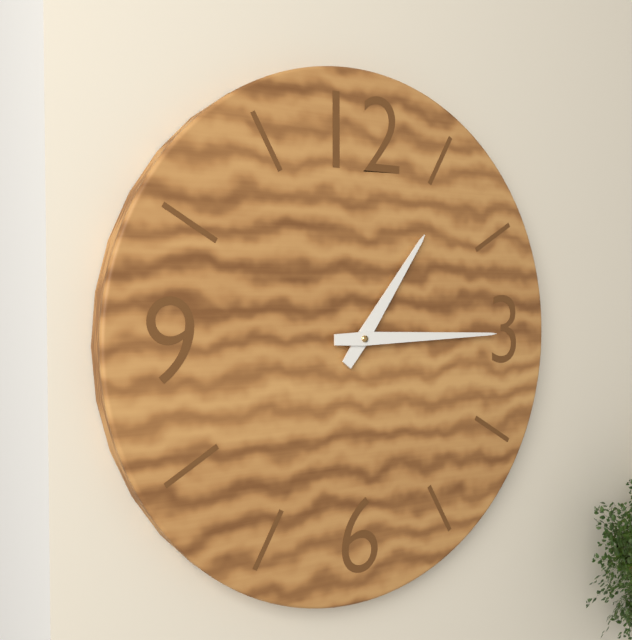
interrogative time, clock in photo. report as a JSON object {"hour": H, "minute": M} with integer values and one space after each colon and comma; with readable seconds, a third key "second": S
{"hour": 1, "minute": 15}
